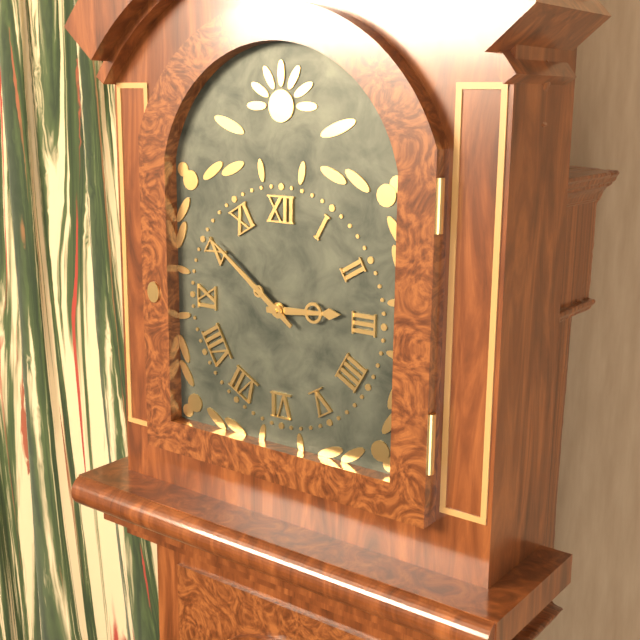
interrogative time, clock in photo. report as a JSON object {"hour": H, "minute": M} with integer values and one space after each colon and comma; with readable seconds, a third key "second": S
{"hour": 2, "minute": 51}
